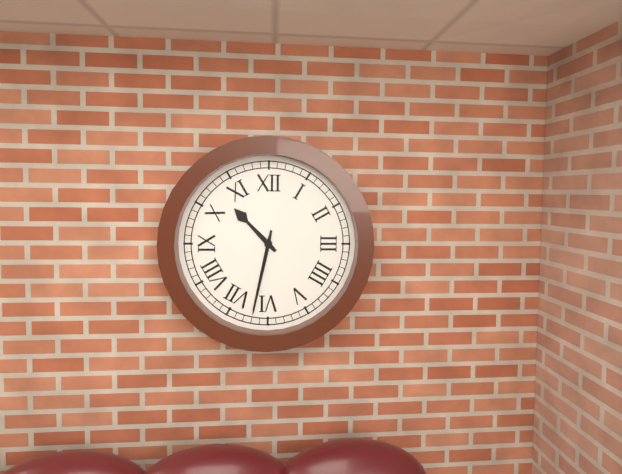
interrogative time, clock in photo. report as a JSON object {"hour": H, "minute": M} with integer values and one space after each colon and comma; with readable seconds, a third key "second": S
{"hour": 10, "minute": 32}
